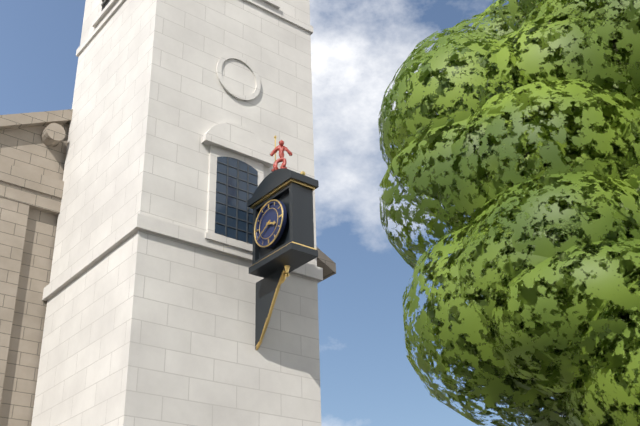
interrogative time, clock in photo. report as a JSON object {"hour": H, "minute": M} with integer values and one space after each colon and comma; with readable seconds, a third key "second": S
{"hour": 3, "minute": 40}
